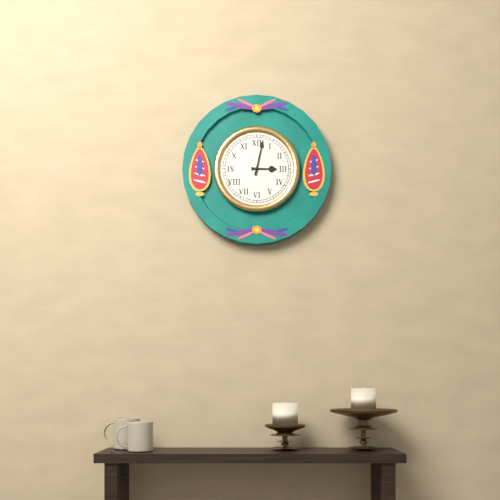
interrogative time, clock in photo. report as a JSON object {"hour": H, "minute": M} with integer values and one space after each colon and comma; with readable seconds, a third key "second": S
{"hour": 3, "minute": 2}
